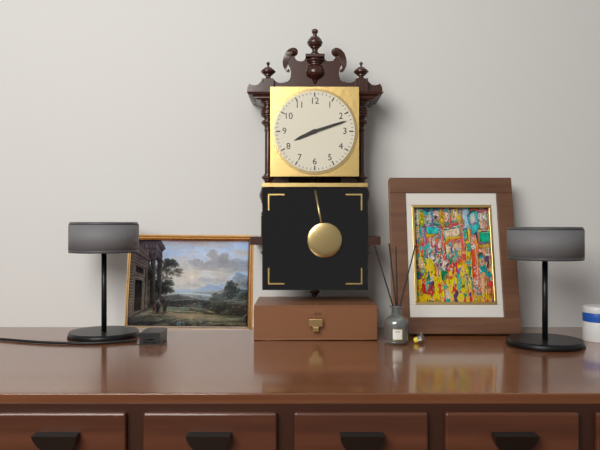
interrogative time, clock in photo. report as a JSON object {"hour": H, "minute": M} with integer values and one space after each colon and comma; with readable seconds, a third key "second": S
{"hour": 8, "minute": 12}
